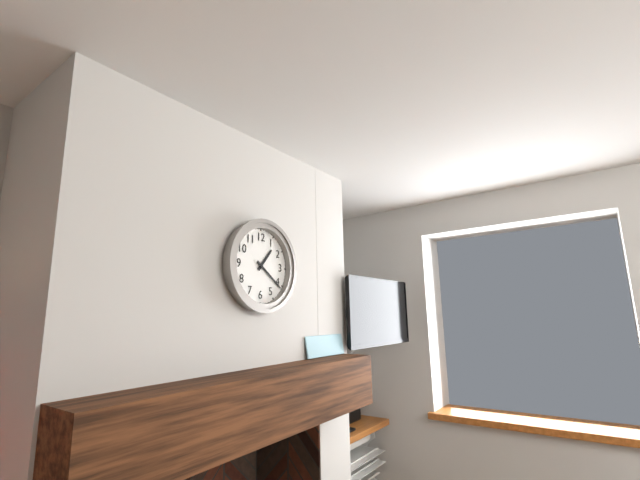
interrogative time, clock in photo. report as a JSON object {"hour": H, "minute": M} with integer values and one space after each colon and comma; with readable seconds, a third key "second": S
{"hour": 1, "minute": 21}
